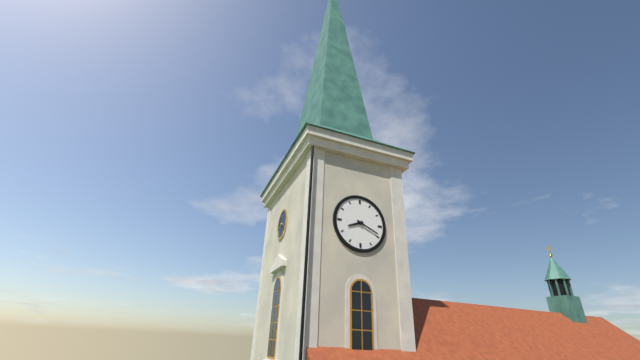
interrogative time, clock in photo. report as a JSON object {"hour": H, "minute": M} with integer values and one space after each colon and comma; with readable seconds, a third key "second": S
{"hour": 8, "minute": 19}
